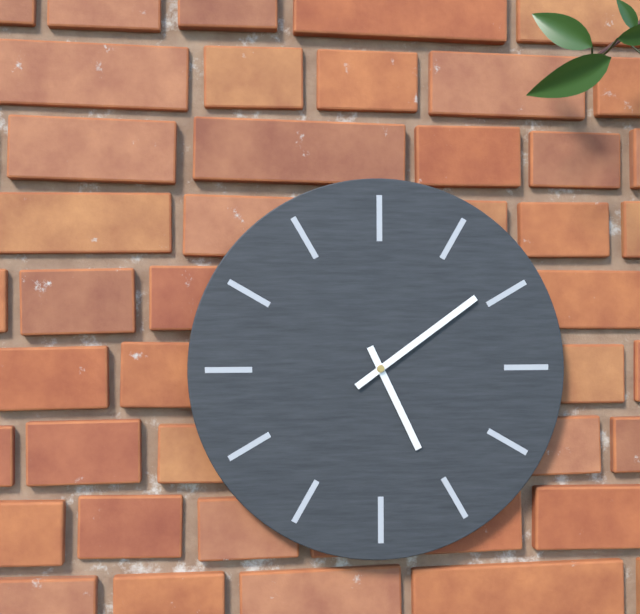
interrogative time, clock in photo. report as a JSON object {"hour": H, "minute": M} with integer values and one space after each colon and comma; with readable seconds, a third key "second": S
{"hour": 5, "minute": 9}
